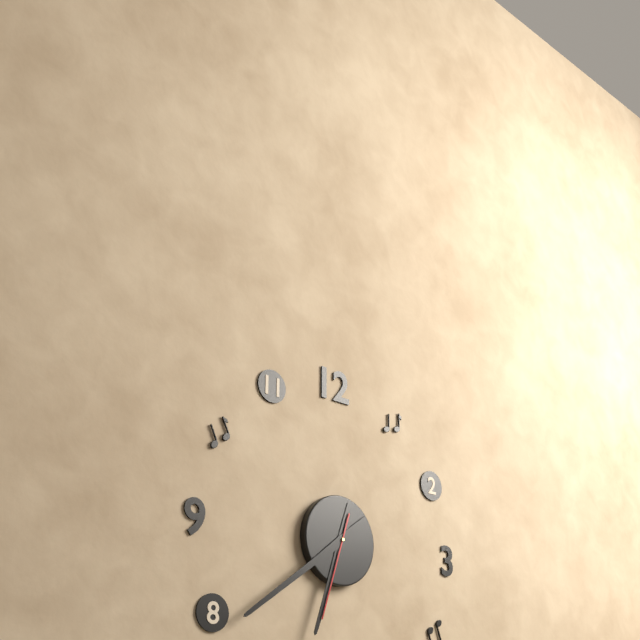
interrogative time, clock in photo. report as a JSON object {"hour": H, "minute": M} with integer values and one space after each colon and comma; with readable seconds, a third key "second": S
{"hour": 6, "minute": 39, "second": 33}
